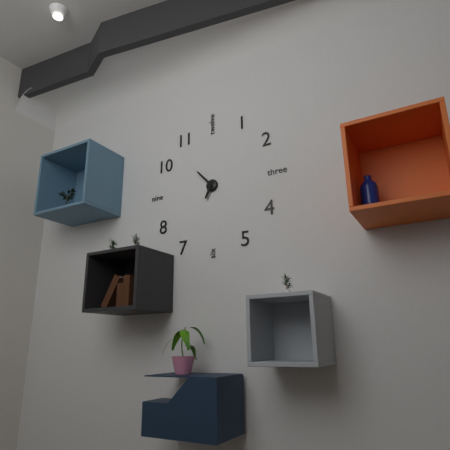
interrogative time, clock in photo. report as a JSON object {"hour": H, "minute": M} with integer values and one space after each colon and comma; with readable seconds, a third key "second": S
{"hour": 6, "minute": 53}
